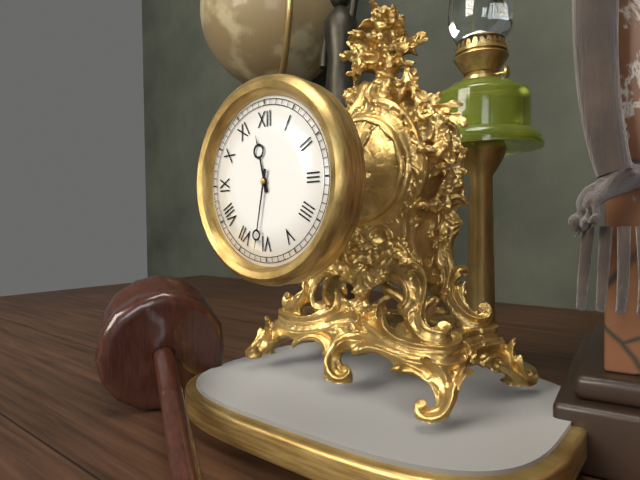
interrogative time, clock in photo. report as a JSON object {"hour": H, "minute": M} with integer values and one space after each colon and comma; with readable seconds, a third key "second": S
{"hour": 11, "minute": 32}
